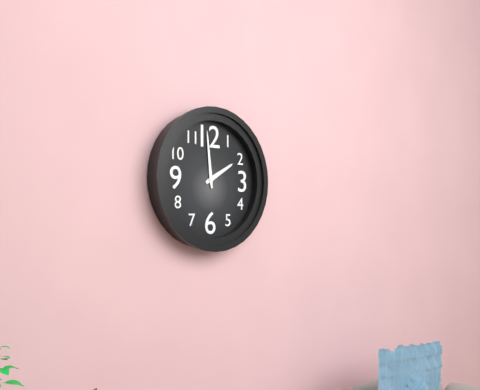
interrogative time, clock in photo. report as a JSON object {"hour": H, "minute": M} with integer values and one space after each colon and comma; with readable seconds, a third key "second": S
{"hour": 1, "minute": 59}
